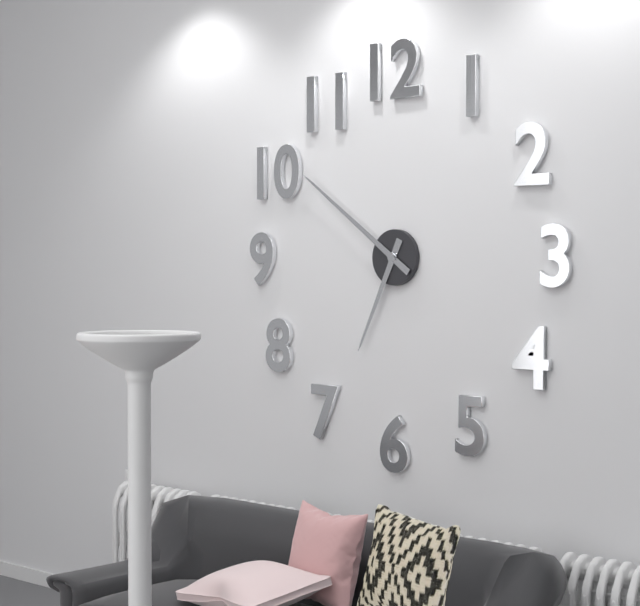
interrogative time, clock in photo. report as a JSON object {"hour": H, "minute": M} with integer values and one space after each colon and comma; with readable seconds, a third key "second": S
{"hour": 6, "minute": 51}
